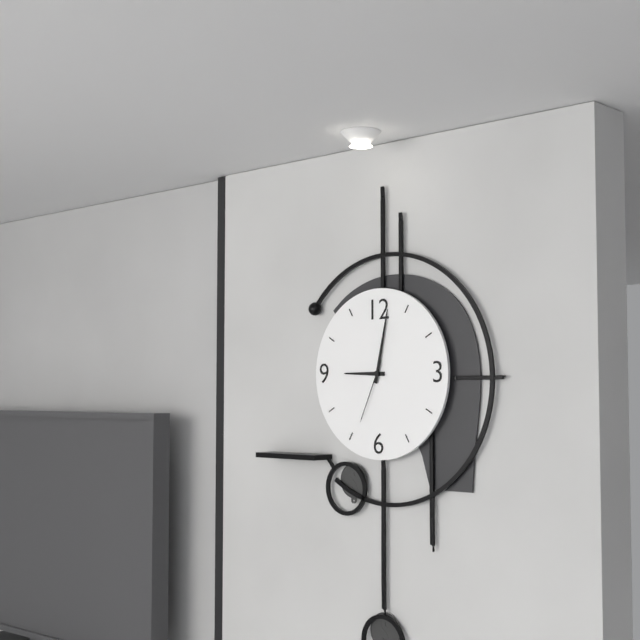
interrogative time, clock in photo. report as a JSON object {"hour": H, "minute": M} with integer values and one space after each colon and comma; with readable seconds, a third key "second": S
{"hour": 9, "minute": 2, "second": 34}
